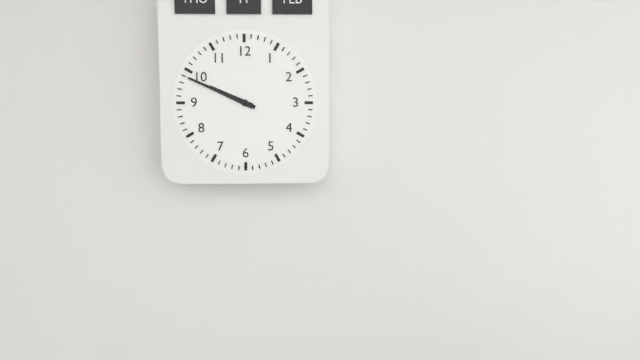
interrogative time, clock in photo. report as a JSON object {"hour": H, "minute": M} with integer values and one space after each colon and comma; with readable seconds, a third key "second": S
{"hour": 9, "minute": 49}
